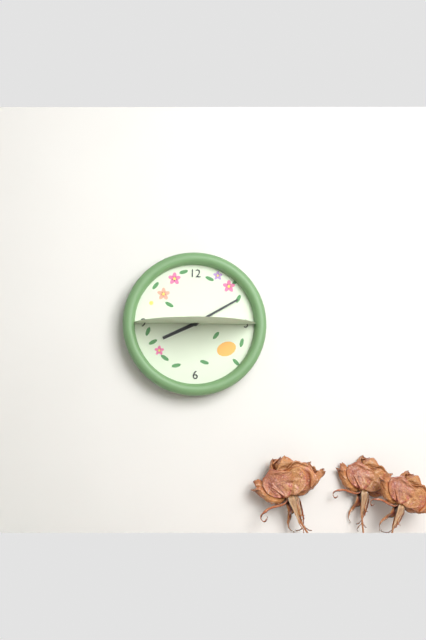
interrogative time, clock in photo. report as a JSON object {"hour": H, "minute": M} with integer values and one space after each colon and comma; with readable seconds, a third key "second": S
{"hour": 8, "minute": 10}
